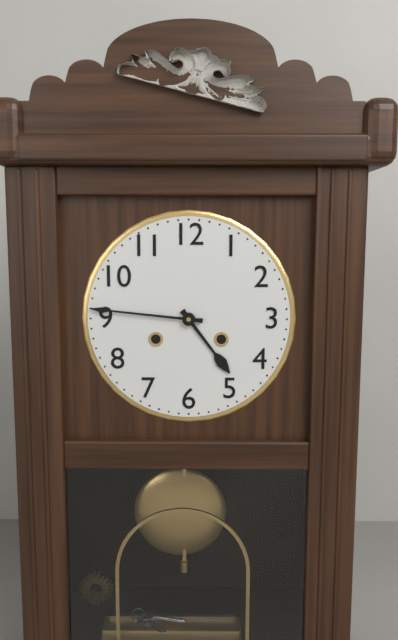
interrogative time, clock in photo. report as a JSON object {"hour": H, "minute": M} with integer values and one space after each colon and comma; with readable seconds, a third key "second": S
{"hour": 4, "minute": 46}
